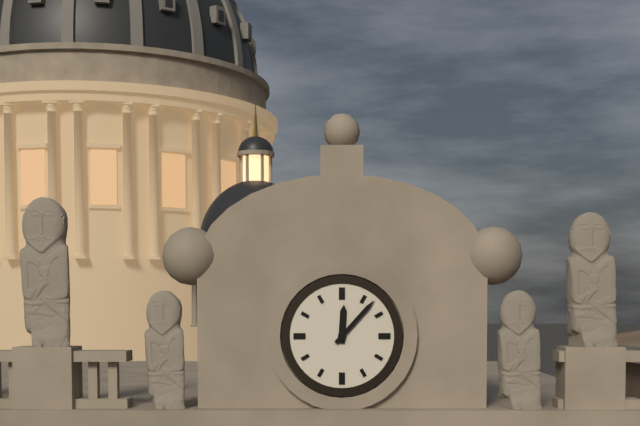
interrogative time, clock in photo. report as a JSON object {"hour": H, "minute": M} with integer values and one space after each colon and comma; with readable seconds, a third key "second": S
{"hour": 12, "minute": 7}
